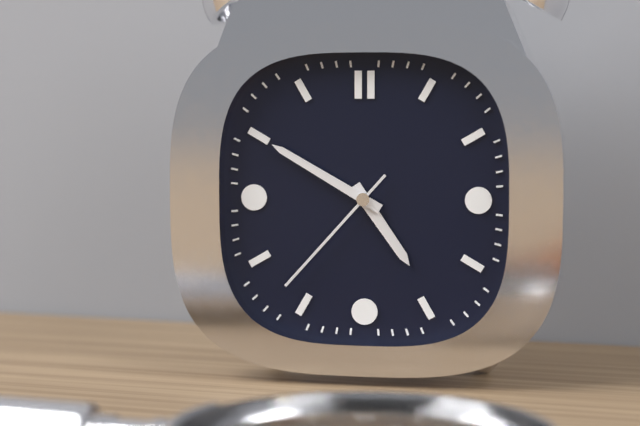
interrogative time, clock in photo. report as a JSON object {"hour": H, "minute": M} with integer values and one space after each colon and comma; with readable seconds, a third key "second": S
{"hour": 4, "minute": 50, "second": 37}
